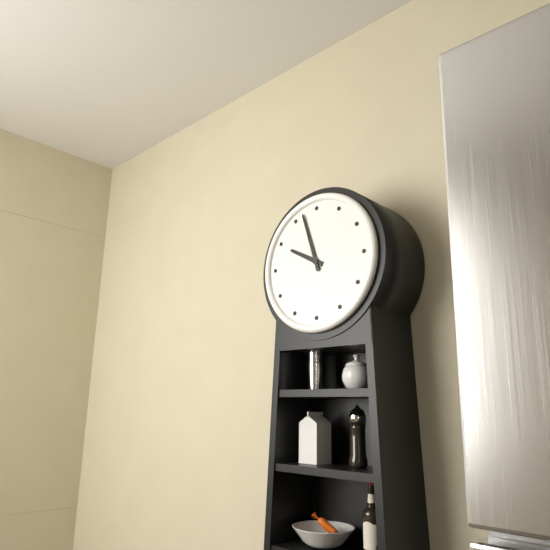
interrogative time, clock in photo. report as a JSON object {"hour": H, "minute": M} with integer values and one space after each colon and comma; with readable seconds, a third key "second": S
{"hour": 9, "minute": 57}
